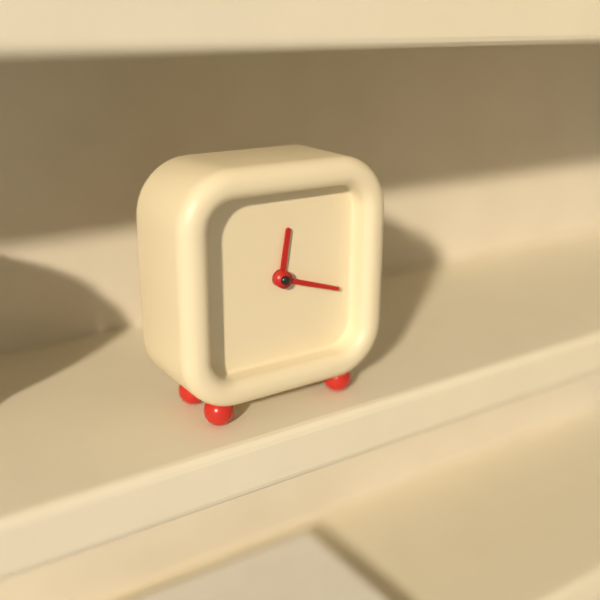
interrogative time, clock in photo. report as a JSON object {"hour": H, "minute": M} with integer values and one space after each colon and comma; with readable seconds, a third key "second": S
{"hour": 12, "minute": 18}
